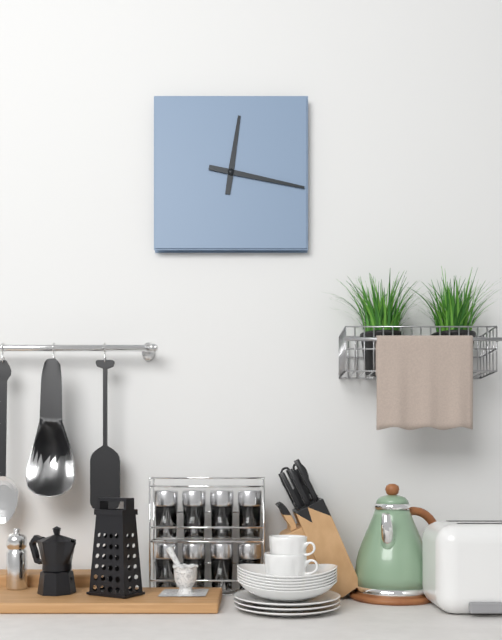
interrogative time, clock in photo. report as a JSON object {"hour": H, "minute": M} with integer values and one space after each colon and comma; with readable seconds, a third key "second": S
{"hour": 12, "minute": 17}
